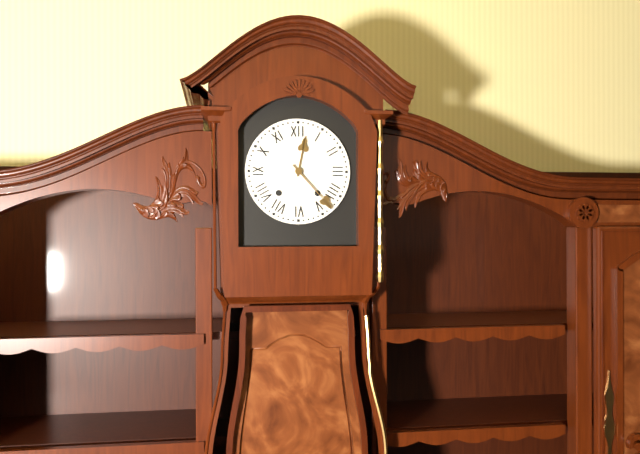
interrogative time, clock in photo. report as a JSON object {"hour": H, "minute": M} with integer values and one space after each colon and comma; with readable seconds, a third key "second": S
{"hour": 12, "minute": 23}
